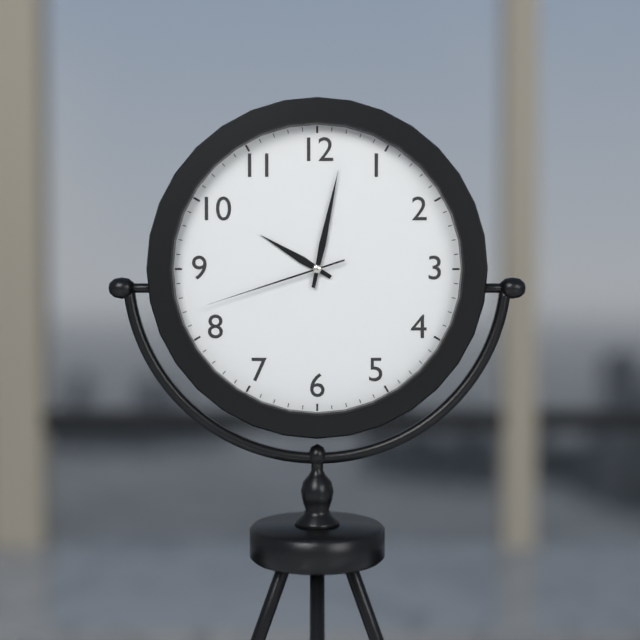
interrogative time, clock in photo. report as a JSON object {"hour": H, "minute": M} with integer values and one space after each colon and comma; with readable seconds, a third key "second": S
{"hour": 10, "minute": 2, "second": 42}
